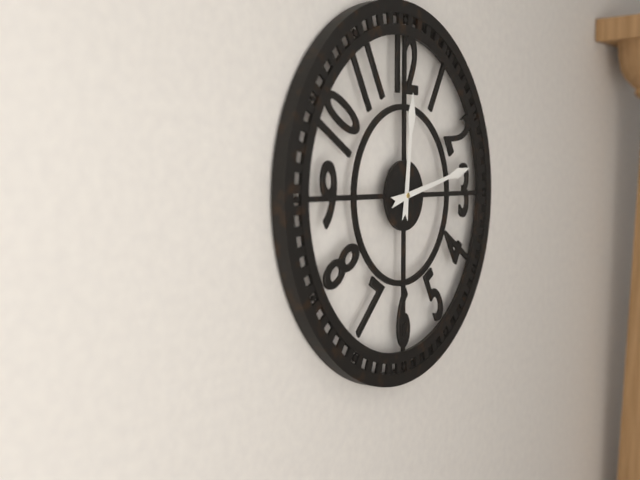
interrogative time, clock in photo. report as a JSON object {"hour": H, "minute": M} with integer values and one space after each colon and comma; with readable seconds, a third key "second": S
{"hour": 12, "minute": 13}
